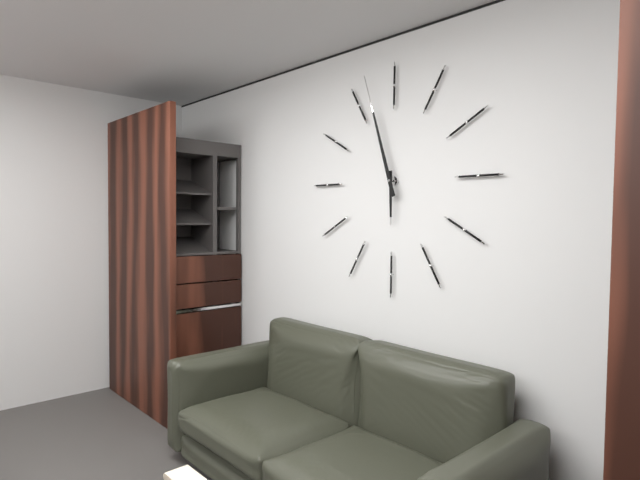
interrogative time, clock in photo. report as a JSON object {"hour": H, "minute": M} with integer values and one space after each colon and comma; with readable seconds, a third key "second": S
{"hour": 5, "minute": 57}
